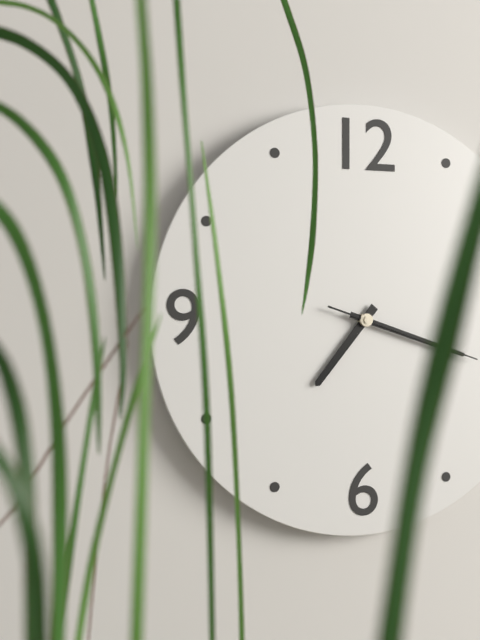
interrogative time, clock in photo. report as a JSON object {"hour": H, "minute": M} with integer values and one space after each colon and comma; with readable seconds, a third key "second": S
{"hour": 7, "minute": 18, "second": 18}
